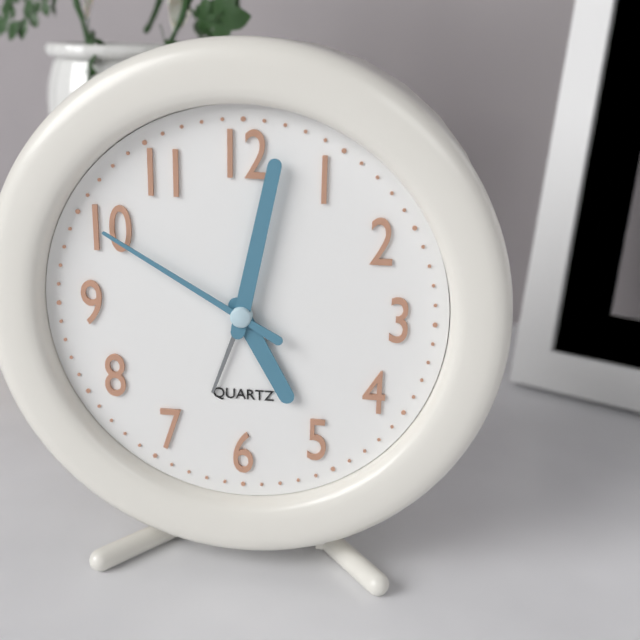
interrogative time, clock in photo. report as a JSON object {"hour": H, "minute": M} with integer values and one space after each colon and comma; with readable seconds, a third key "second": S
{"hour": 5, "minute": 2, "second": 50}
